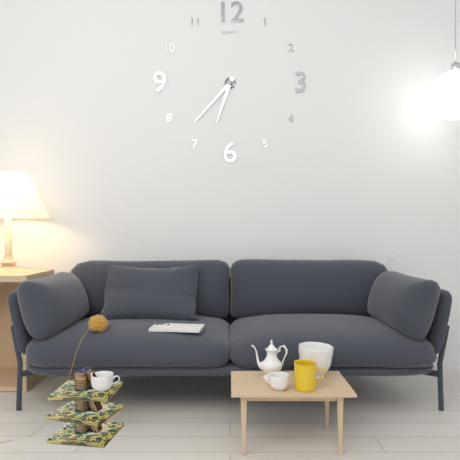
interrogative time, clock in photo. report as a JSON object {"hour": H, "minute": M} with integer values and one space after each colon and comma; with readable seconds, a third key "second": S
{"hour": 6, "minute": 37}
